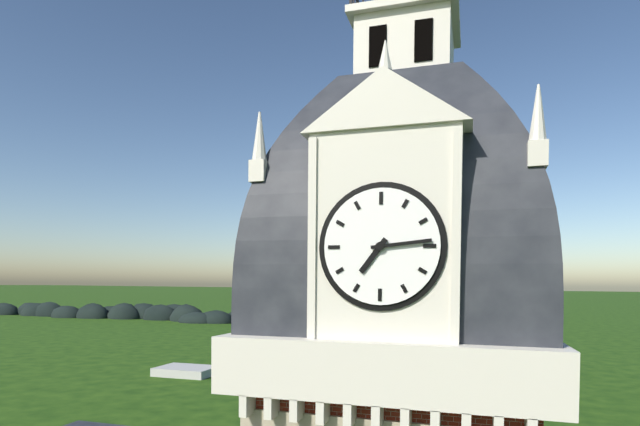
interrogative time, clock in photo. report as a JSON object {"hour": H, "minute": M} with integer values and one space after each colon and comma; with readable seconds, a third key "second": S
{"hour": 7, "minute": 14}
